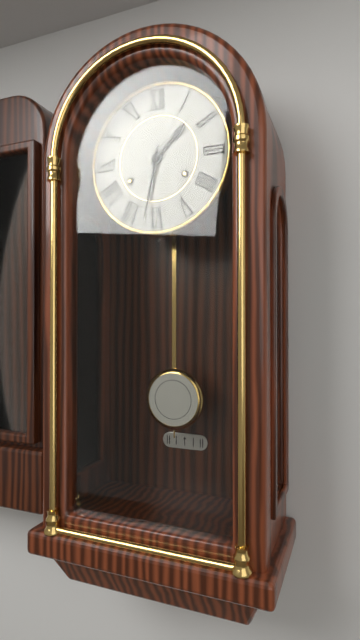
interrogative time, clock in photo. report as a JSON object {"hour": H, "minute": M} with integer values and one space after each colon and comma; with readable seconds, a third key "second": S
{"hour": 1, "minute": 32}
